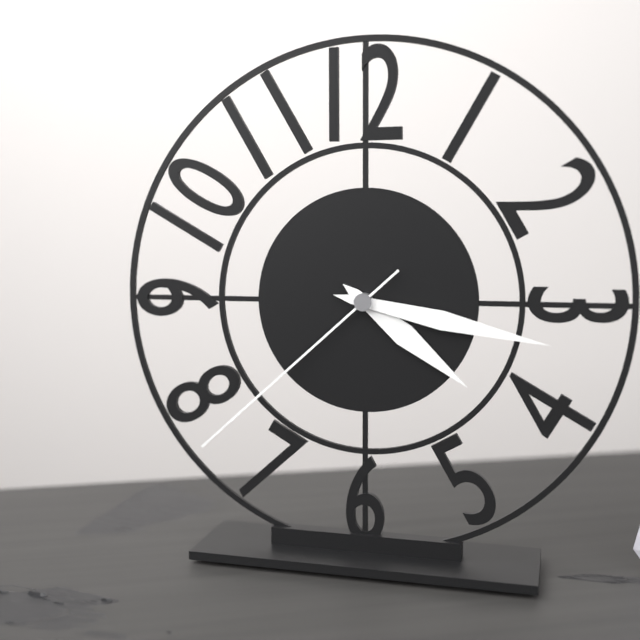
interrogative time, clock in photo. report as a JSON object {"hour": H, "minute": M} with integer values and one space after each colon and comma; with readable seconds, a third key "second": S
{"hour": 4, "minute": 17, "second": 38}
